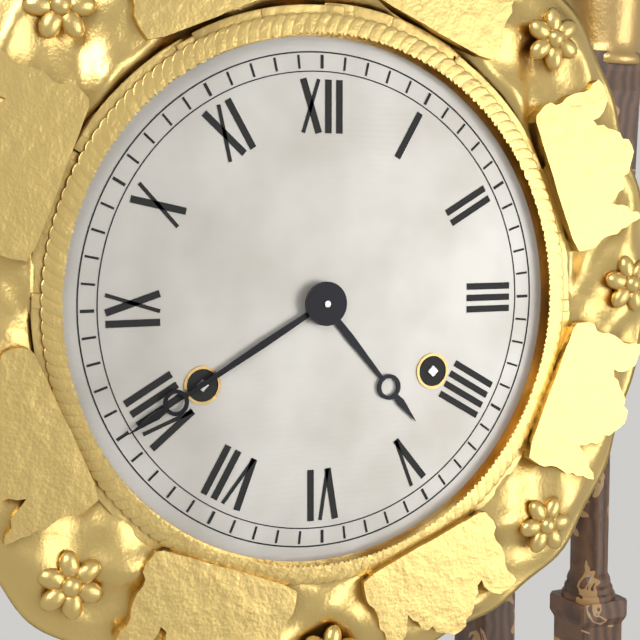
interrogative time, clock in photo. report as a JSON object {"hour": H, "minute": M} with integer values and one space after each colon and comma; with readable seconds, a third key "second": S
{"hour": 4, "minute": 40}
